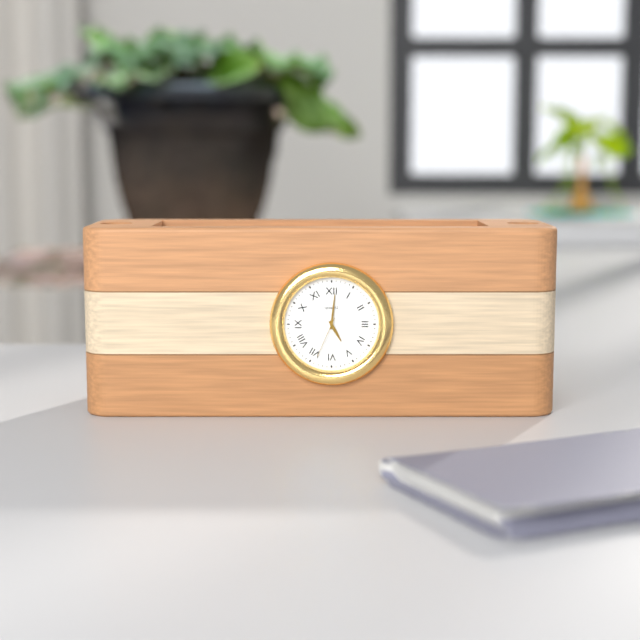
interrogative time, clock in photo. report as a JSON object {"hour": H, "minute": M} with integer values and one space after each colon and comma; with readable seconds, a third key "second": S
{"hour": 5, "minute": 1}
